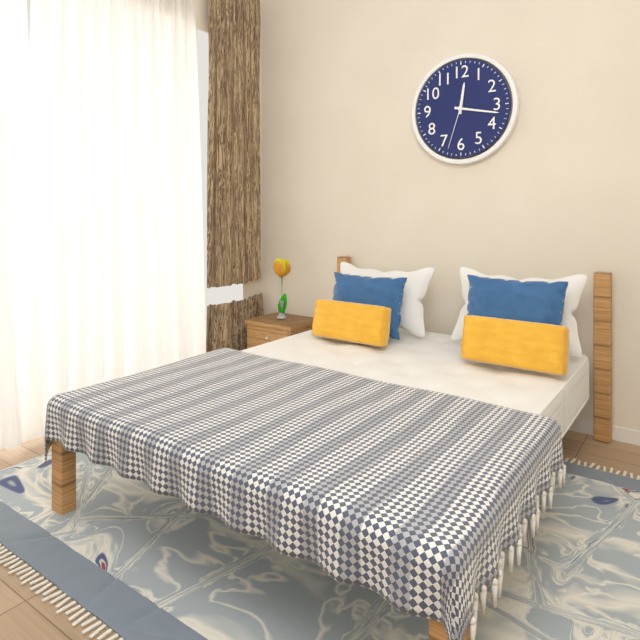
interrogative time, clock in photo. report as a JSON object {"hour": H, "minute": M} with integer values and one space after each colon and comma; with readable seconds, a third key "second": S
{"hour": 12, "minute": 17, "second": 33}
